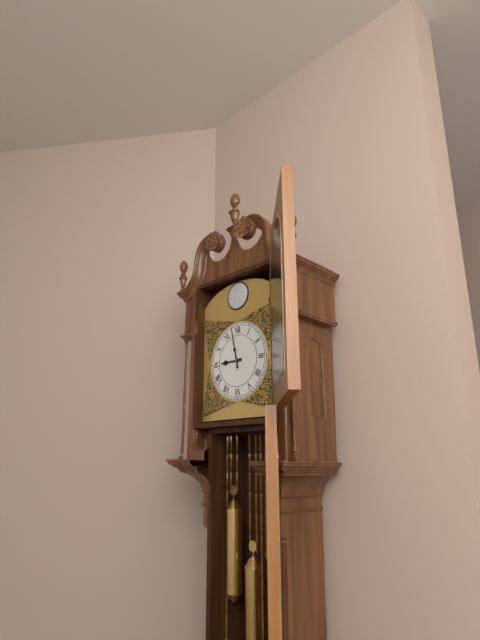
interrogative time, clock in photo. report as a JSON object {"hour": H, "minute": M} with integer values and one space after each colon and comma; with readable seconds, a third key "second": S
{"hour": 8, "minute": 58}
